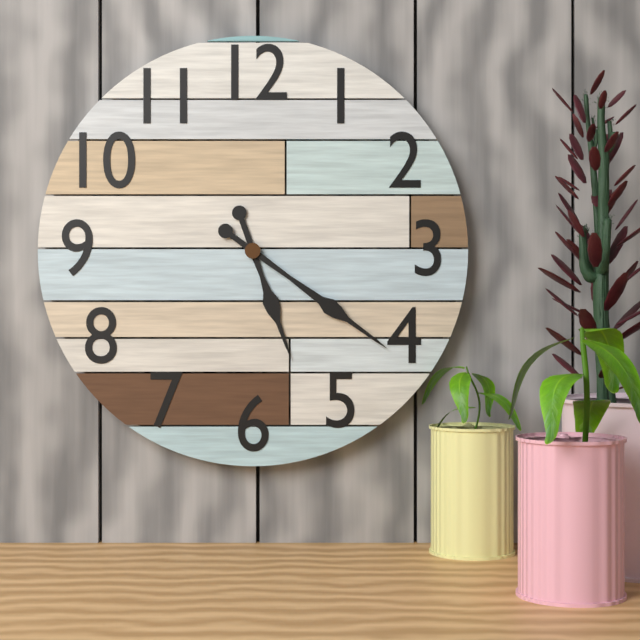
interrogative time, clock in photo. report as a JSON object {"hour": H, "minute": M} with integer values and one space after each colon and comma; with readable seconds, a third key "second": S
{"hour": 5, "minute": 21}
